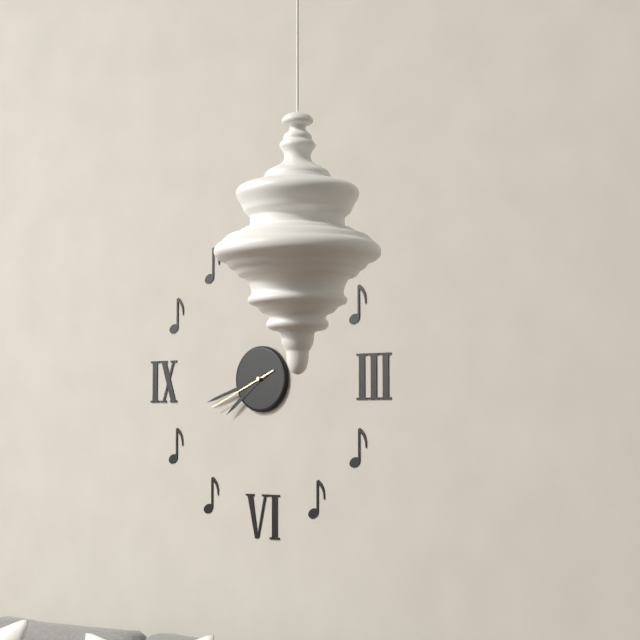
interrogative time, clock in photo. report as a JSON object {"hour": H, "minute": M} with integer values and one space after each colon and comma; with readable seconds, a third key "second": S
{"hour": 7, "minute": 42, "second": 41}
